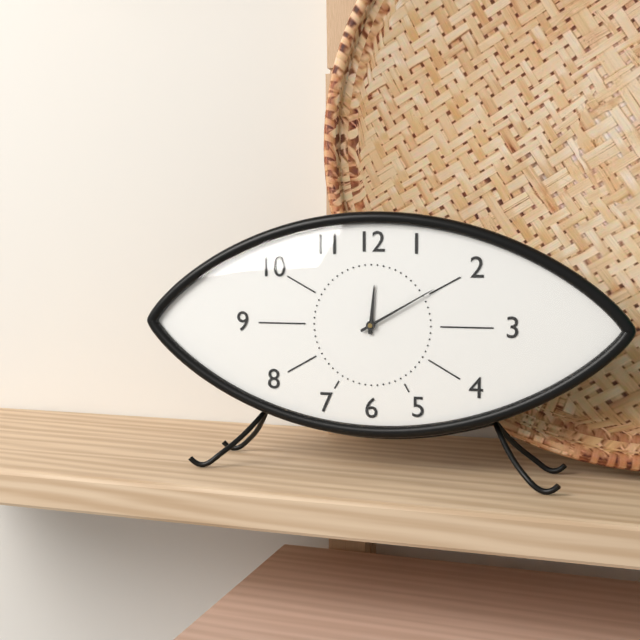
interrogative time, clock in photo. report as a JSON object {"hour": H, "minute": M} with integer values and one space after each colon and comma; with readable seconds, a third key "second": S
{"hour": 12, "minute": 10}
